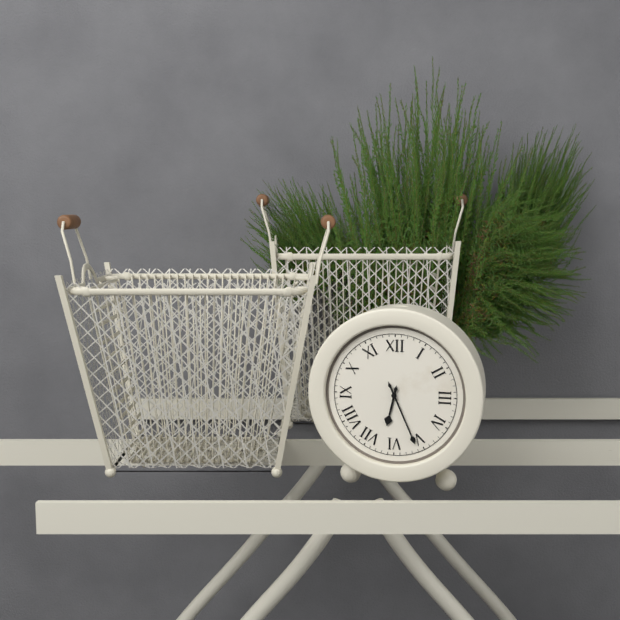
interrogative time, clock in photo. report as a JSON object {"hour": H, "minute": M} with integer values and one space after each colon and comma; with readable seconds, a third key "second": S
{"hour": 6, "minute": 26}
